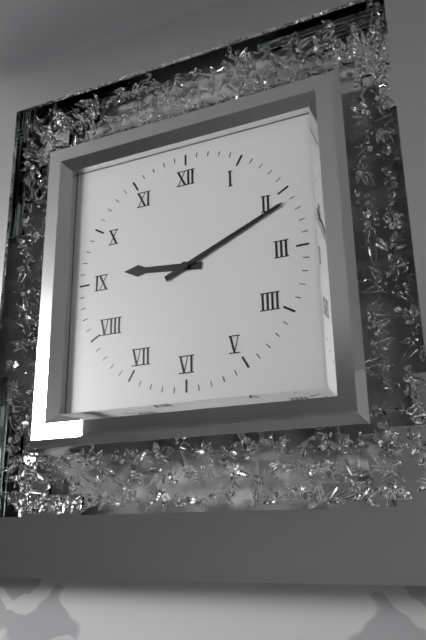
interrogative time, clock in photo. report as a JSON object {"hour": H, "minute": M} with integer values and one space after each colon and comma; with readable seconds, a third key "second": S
{"hour": 9, "minute": 11}
